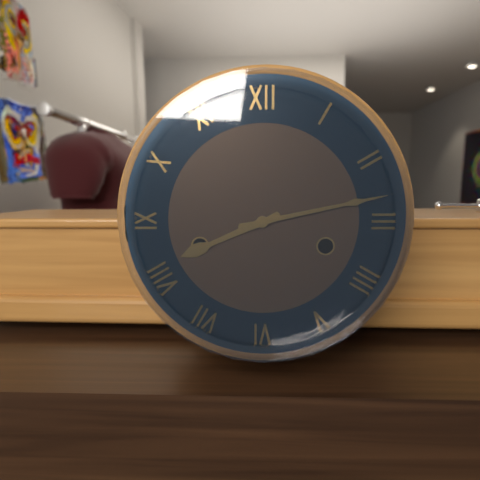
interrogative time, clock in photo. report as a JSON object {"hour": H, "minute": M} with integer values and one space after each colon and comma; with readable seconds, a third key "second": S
{"hour": 8, "minute": 13}
